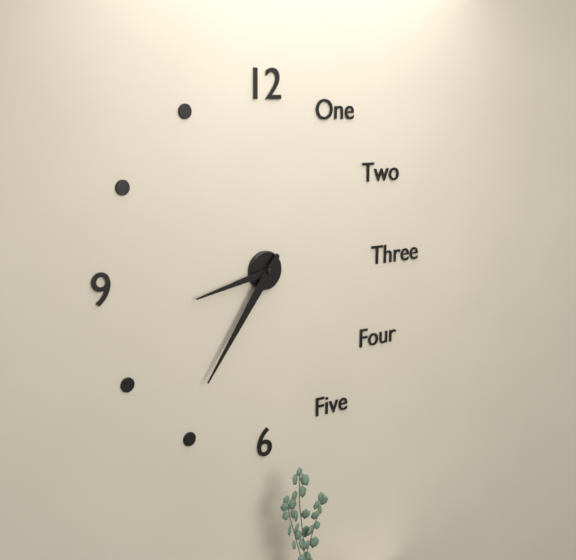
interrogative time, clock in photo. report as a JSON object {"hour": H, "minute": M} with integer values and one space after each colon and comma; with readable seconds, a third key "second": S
{"hour": 8, "minute": 36}
